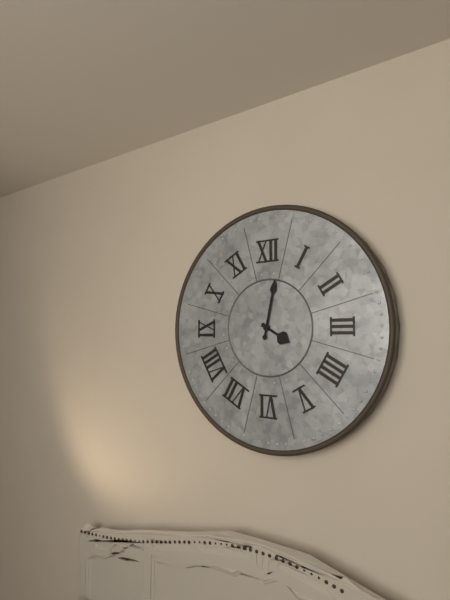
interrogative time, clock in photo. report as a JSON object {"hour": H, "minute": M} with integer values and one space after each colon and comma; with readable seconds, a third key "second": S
{"hour": 4, "minute": 2}
